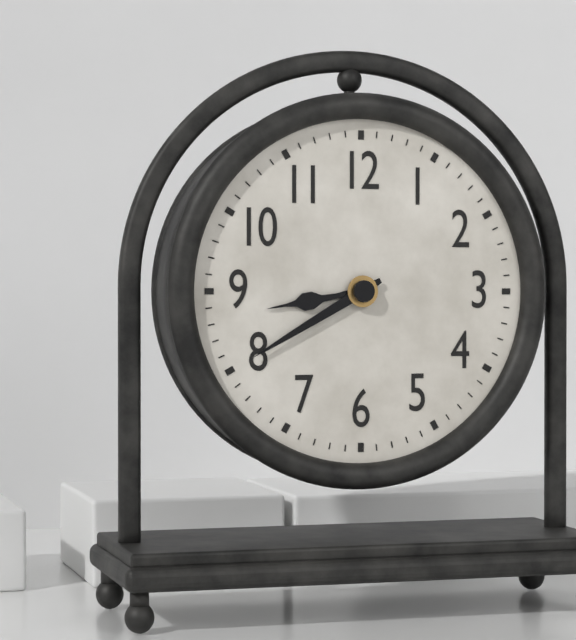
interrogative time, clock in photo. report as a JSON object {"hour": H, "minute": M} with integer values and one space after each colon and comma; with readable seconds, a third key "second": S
{"hour": 8, "minute": 40}
